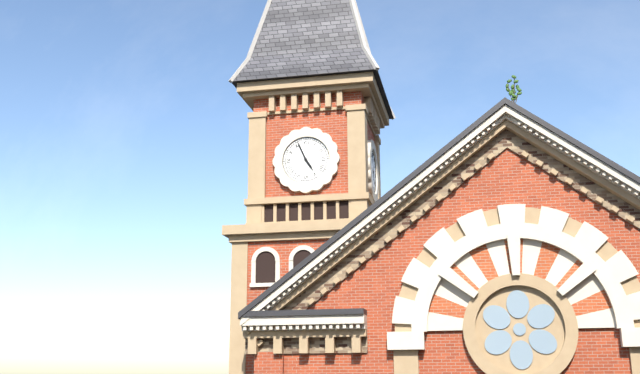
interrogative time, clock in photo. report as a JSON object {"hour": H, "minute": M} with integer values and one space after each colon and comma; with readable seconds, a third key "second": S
{"hour": 4, "minute": 56}
